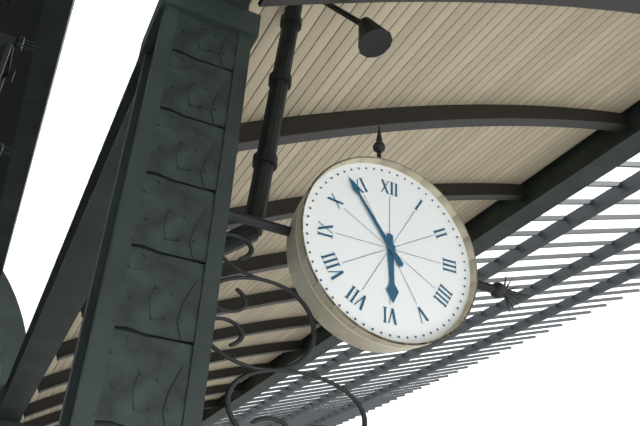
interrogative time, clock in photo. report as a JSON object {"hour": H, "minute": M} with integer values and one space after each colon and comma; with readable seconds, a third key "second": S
{"hour": 5, "minute": 54}
